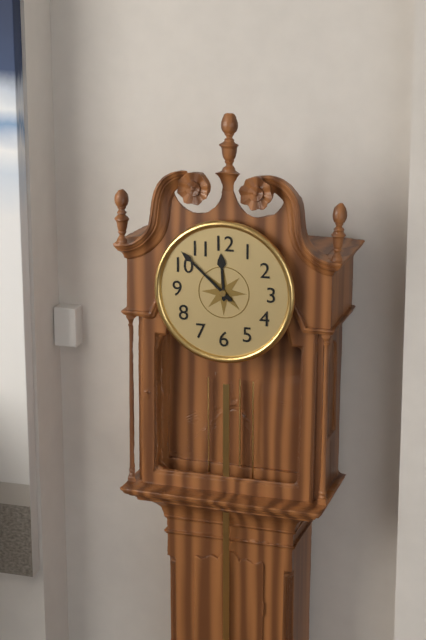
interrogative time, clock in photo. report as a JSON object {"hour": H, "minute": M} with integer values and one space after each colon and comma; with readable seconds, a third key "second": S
{"hour": 11, "minute": 52}
